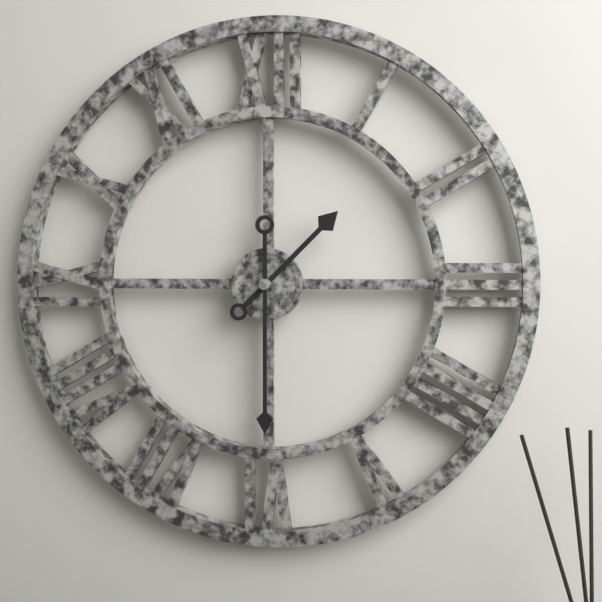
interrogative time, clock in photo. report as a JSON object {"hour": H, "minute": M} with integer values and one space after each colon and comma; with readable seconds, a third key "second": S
{"hour": 1, "minute": 30}
